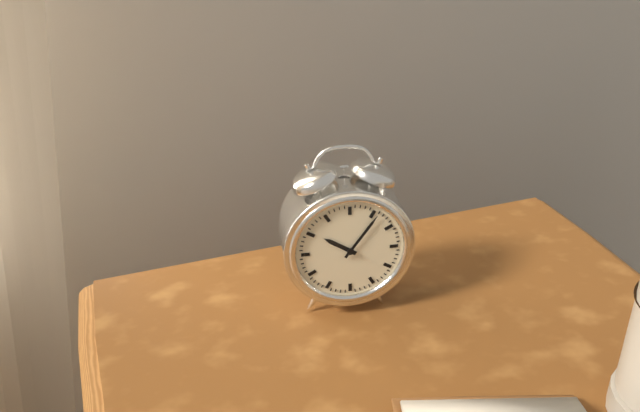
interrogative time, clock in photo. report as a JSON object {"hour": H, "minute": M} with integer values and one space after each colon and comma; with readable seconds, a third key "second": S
{"hour": 10, "minute": 6}
